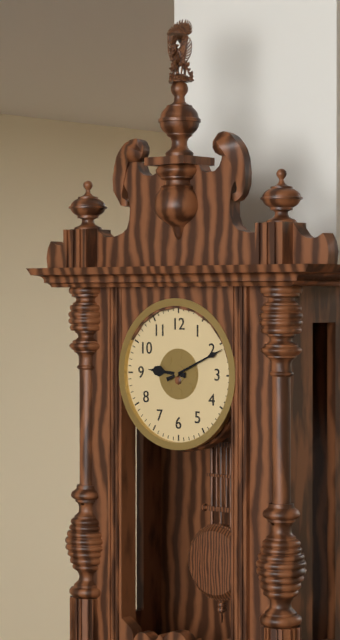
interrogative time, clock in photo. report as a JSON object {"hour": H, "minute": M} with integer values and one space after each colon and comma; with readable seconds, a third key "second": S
{"hour": 9, "minute": 11}
